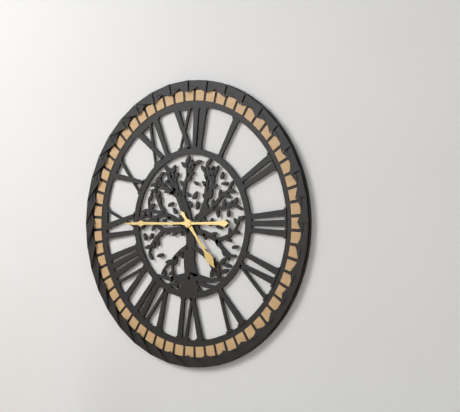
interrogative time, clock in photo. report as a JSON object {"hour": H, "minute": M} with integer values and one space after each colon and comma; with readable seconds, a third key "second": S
{"hour": 4, "minute": 45}
